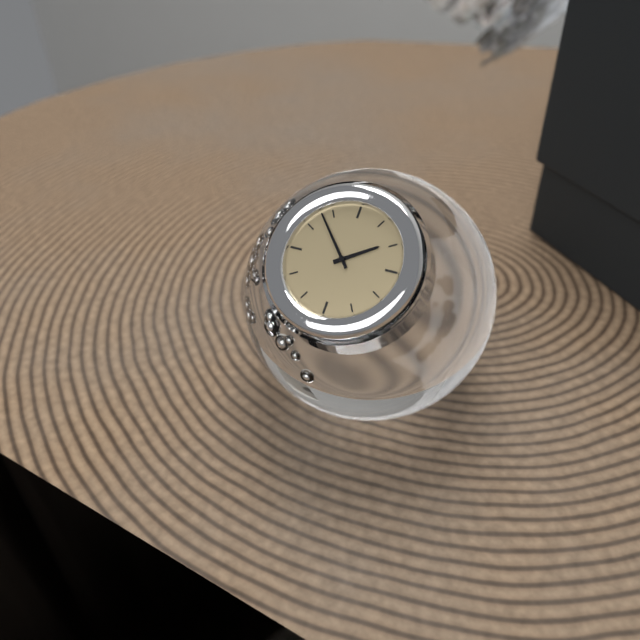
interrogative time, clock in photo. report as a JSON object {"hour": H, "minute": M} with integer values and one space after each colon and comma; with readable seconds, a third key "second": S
{"hour": 1, "minute": 53}
